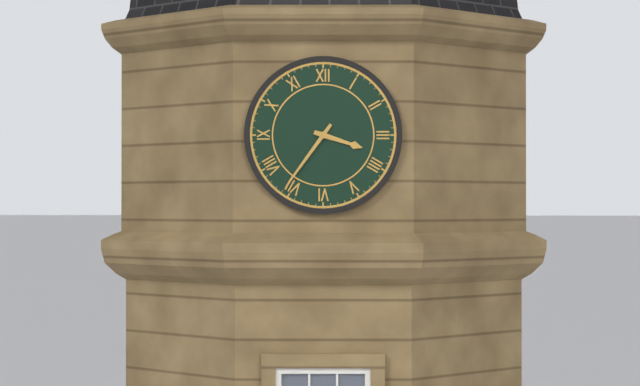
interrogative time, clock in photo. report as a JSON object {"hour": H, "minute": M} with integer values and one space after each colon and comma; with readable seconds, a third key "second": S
{"hour": 3, "minute": 36}
